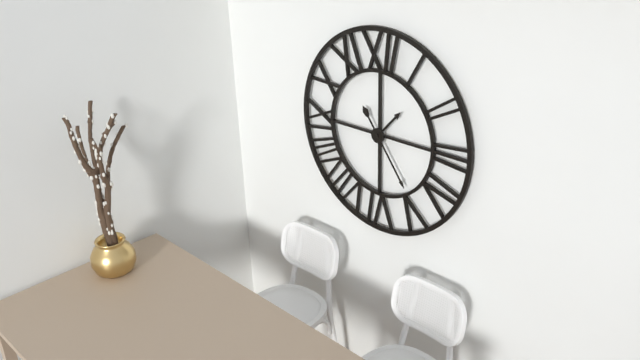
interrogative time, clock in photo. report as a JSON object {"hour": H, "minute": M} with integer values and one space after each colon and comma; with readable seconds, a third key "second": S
{"hour": 1, "minute": 24}
